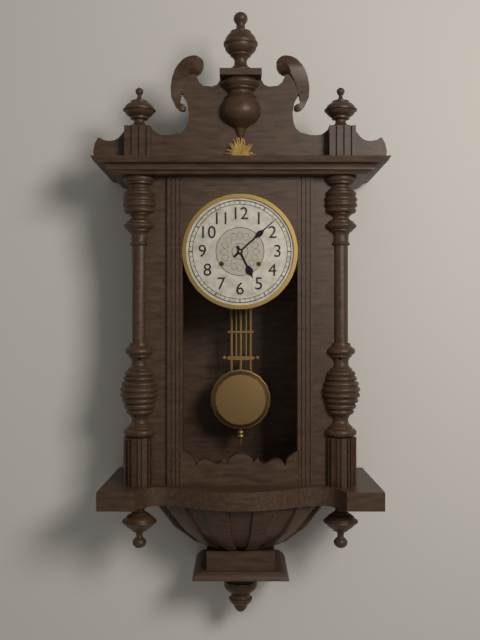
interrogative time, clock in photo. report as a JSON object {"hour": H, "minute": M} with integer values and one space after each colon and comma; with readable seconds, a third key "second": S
{"hour": 5, "minute": 8}
